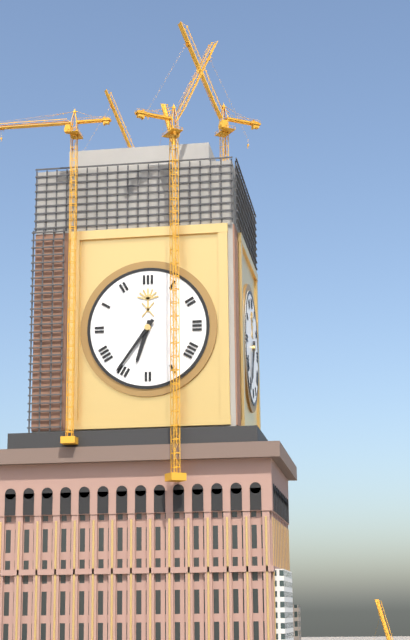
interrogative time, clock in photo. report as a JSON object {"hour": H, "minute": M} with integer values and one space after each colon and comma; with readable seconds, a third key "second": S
{"hour": 6, "minute": 36}
